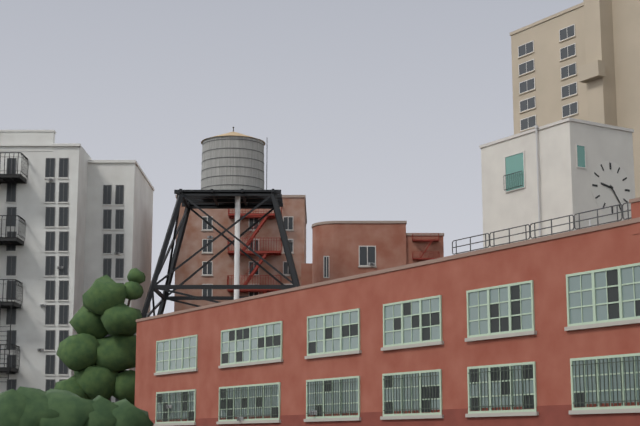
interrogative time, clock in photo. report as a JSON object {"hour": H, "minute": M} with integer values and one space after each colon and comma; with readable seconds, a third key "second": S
{"hour": 9, "minute": 24}
